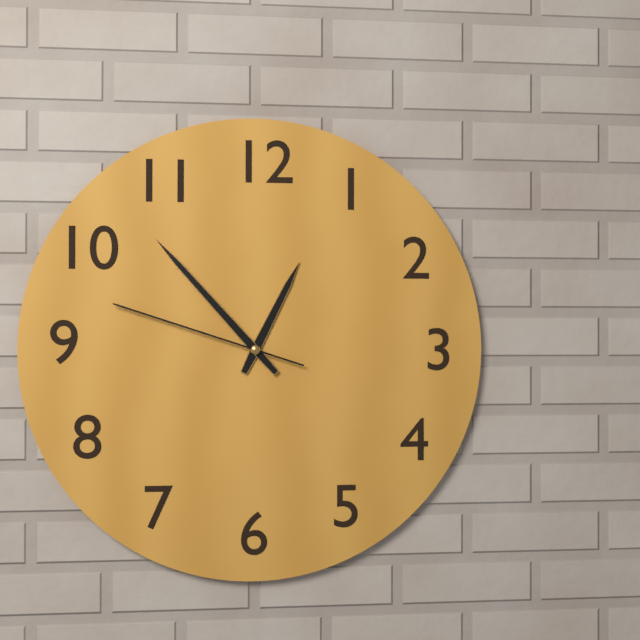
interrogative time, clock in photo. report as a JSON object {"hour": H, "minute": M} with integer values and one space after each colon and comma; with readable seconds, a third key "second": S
{"hour": 12, "minute": 53, "second": 48}
